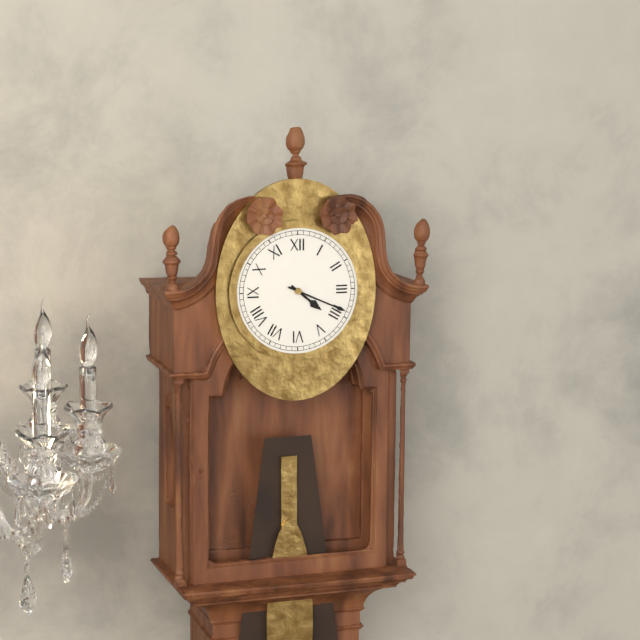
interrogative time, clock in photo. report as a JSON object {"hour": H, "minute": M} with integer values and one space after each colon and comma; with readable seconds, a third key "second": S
{"hour": 4, "minute": 19}
